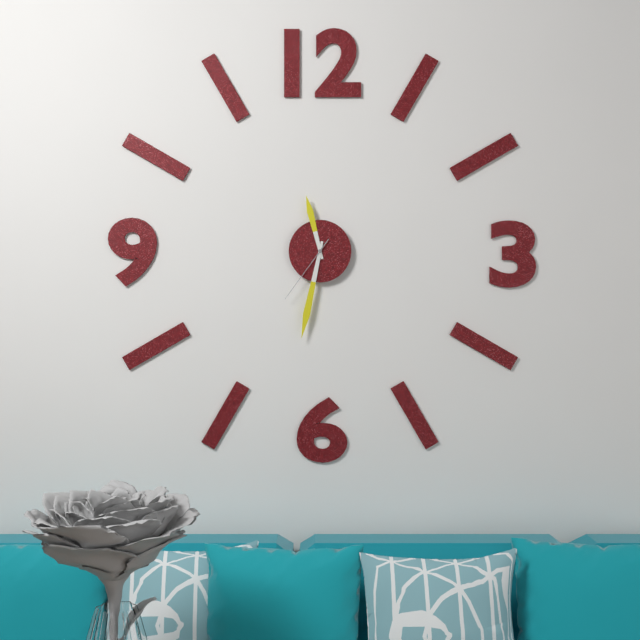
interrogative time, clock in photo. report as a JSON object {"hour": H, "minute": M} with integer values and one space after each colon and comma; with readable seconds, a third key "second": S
{"hour": 11, "minute": 32, "second": 36}
